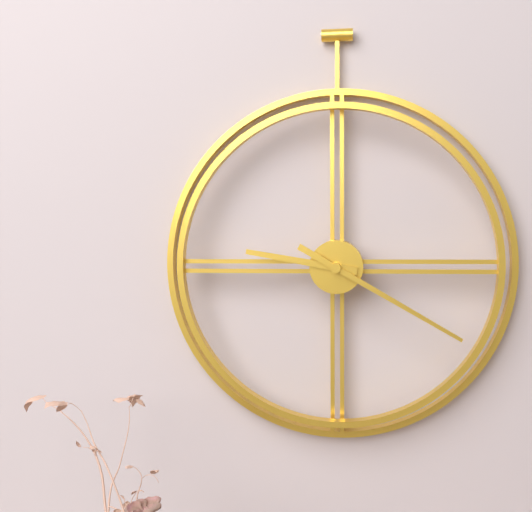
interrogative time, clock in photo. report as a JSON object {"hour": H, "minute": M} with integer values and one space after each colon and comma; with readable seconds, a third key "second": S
{"hour": 9, "minute": 20}
